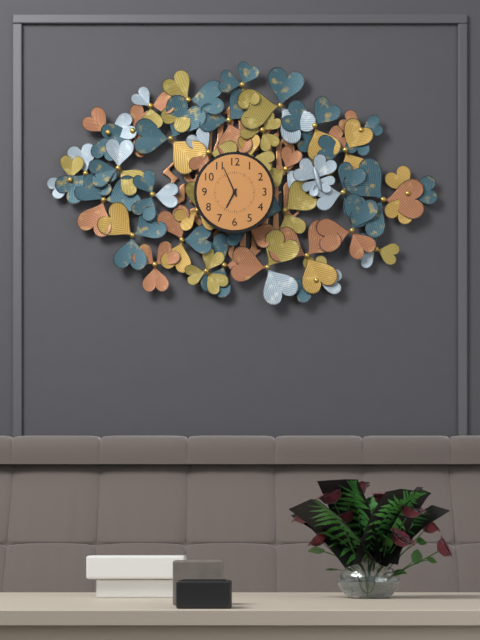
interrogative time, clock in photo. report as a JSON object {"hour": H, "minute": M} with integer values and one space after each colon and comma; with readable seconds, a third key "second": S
{"hour": 6, "minute": 56}
